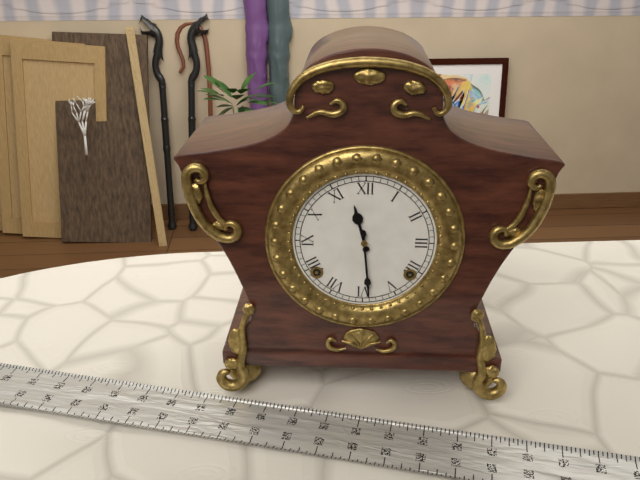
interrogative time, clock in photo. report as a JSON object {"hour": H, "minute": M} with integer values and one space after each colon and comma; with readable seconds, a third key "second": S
{"hour": 11, "minute": 29}
